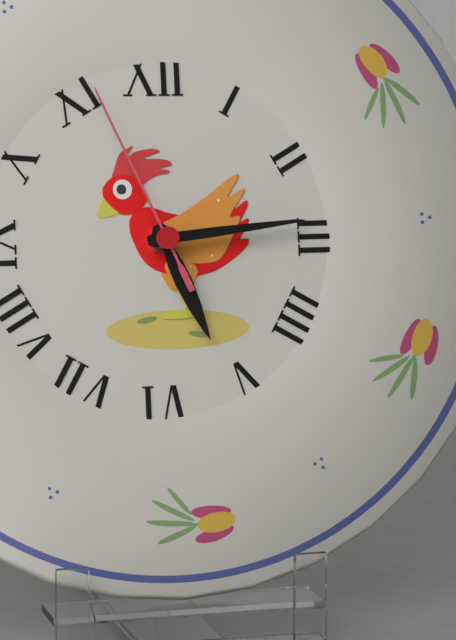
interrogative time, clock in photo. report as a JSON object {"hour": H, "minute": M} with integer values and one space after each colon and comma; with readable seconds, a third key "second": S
{"hour": 5, "minute": 14, "second": 56}
